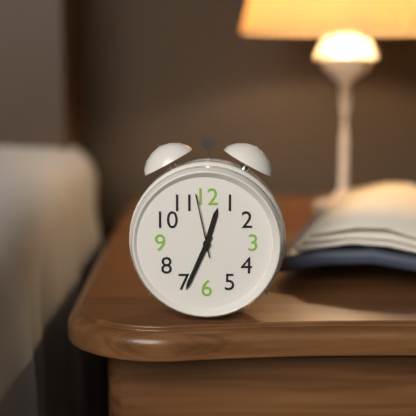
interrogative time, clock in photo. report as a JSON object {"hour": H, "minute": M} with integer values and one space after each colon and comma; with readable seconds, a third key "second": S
{"hour": 12, "minute": 34, "second": 58}
